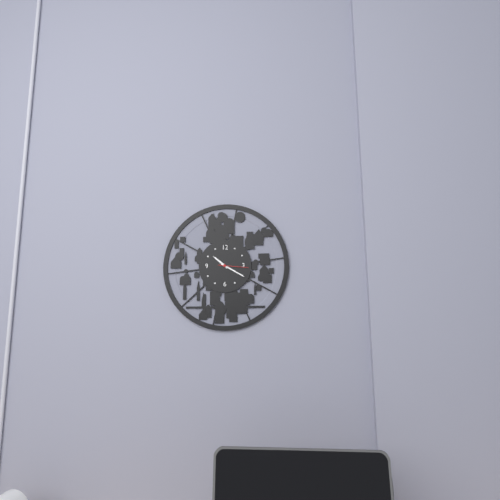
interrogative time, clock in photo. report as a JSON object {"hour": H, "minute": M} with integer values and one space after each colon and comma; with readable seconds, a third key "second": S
{"hour": 10, "minute": 20}
